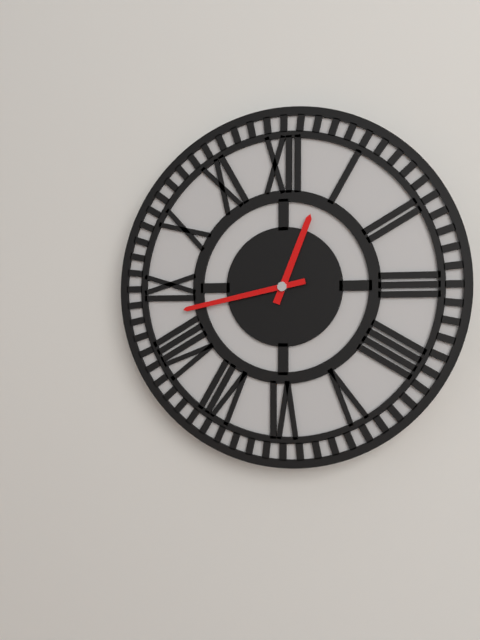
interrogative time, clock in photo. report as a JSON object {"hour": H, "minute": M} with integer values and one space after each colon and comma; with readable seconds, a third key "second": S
{"hour": 12, "minute": 43}
